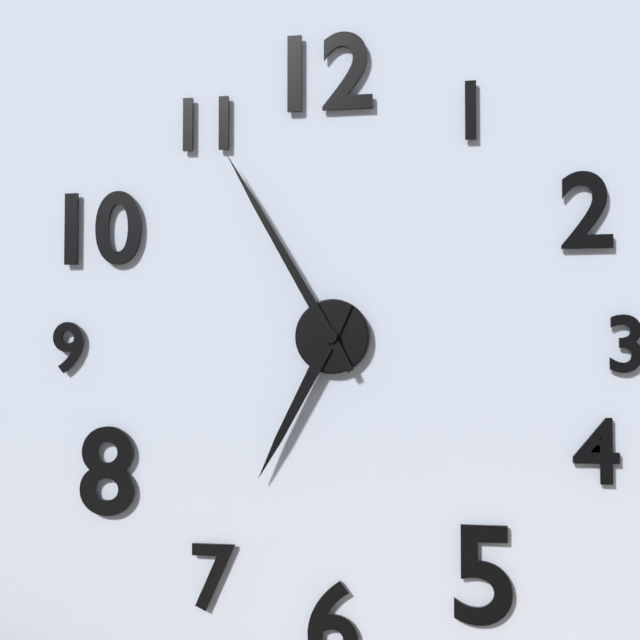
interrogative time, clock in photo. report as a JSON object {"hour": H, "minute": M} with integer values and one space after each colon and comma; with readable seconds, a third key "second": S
{"hour": 6, "minute": 55}
